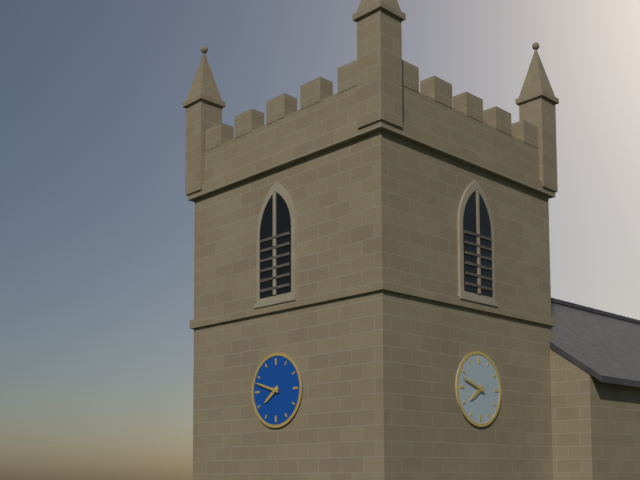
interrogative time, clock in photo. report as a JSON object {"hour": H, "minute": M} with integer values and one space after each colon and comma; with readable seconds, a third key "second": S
{"hour": 7, "minute": 48}
